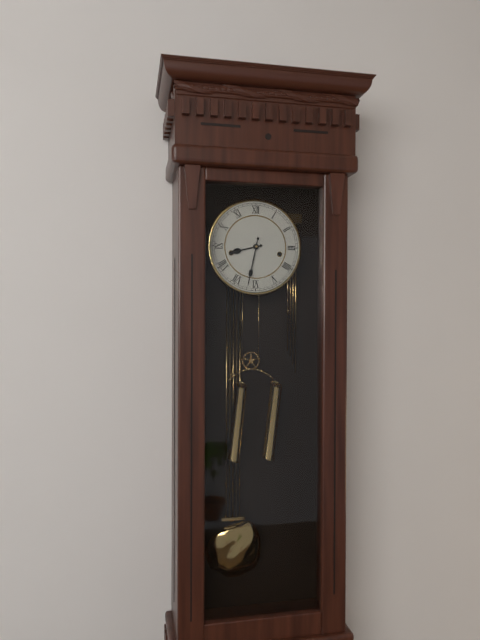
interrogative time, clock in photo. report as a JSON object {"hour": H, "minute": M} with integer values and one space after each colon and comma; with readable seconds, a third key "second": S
{"hour": 8, "minute": 32}
